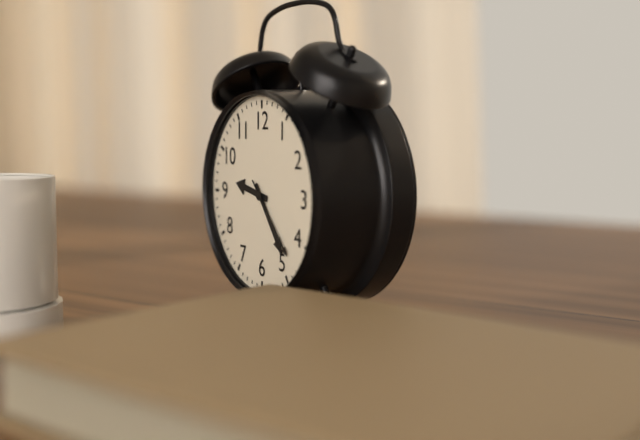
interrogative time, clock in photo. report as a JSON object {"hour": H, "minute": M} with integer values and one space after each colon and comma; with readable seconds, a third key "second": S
{"hour": 9, "minute": 24, "second": 23}
